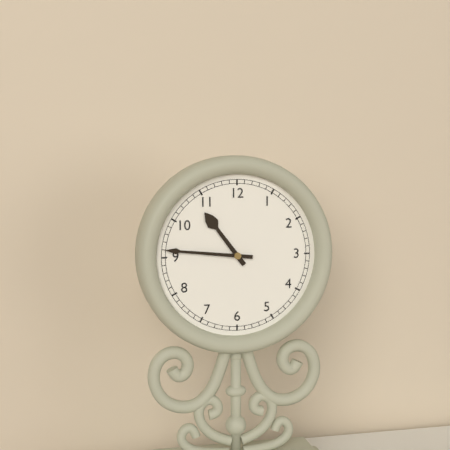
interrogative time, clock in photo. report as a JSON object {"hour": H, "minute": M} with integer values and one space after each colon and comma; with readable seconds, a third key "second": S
{"hour": 10, "minute": 46}
